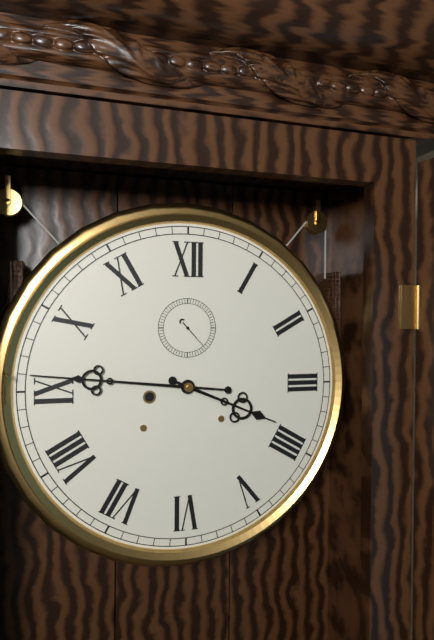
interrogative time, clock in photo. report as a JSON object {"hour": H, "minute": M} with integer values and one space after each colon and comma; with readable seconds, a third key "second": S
{"hour": 3, "minute": 46}
